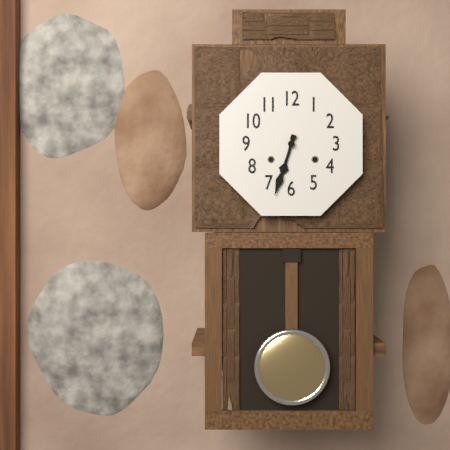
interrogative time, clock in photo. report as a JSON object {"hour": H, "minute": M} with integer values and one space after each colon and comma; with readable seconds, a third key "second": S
{"hour": 6, "minute": 33}
